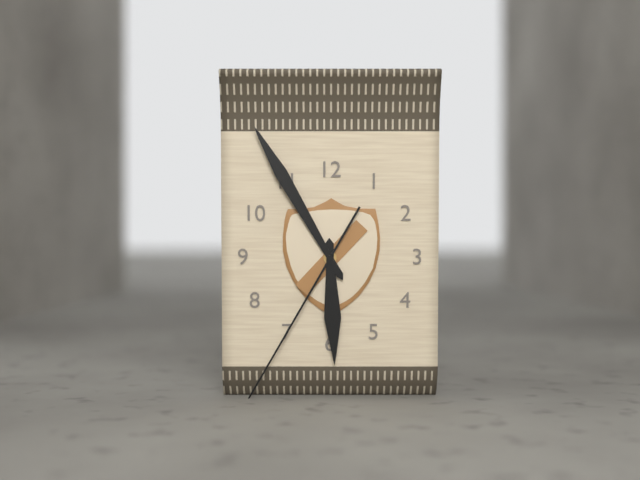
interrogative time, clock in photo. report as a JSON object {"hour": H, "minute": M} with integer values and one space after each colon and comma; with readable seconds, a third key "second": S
{"hour": 5, "minute": 55, "second": 35}
